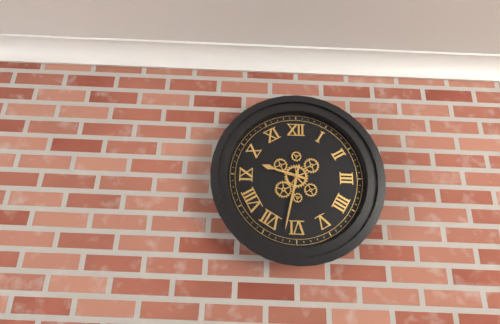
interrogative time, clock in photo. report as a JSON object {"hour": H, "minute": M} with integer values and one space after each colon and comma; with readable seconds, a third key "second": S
{"hour": 9, "minute": 32}
